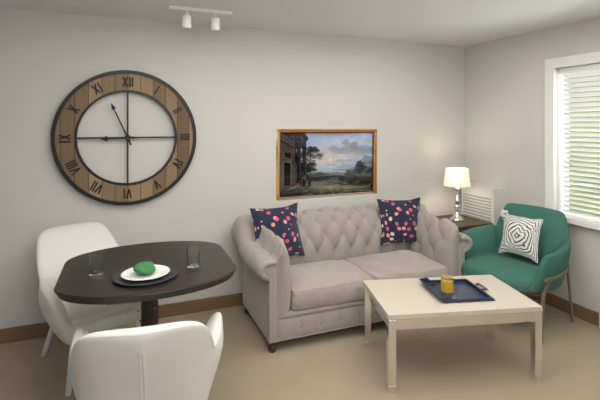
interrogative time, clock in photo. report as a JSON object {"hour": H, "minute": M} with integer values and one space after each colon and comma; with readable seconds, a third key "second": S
{"hour": 8, "minute": 56}
